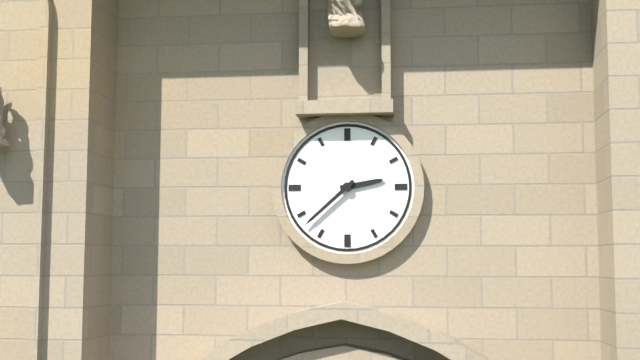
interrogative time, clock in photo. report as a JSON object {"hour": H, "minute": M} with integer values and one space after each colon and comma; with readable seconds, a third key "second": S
{"hour": 2, "minute": 38}
